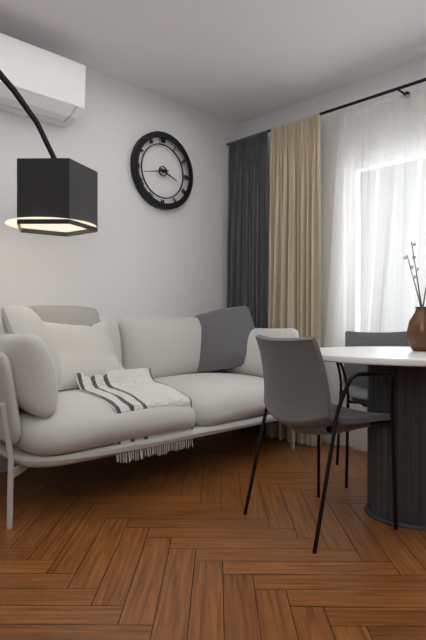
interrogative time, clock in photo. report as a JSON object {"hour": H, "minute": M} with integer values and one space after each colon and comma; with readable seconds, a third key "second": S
{"hour": 3, "minute": 43}
